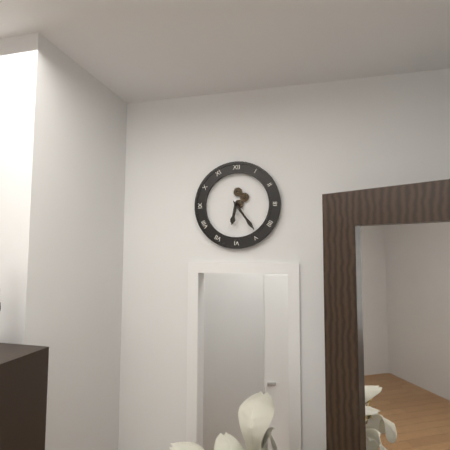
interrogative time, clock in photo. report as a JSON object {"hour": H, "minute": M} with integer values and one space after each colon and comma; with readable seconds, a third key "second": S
{"hour": 6, "minute": 24}
